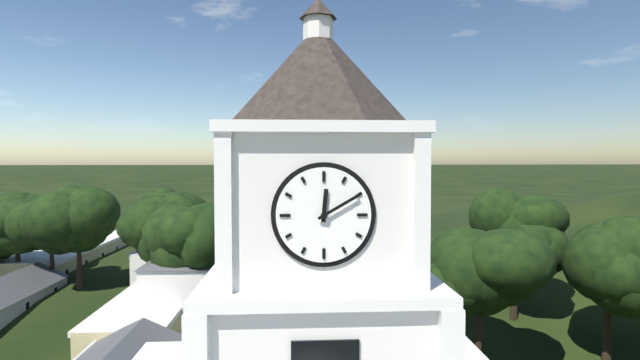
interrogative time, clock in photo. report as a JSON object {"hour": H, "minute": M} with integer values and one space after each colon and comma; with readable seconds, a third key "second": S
{"hour": 12, "minute": 10}
